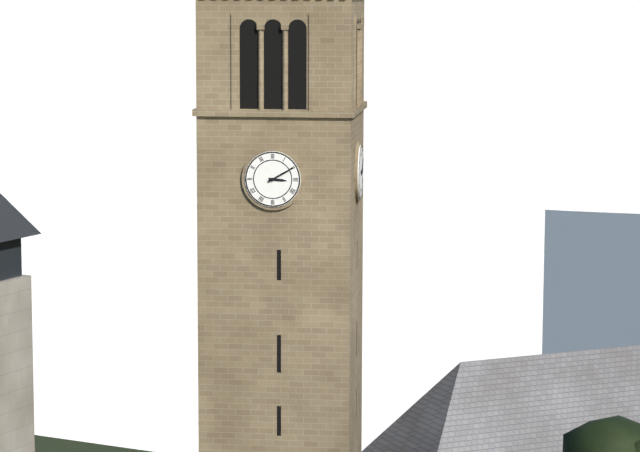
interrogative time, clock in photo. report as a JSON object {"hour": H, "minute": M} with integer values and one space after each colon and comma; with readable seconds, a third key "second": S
{"hour": 3, "minute": 10}
